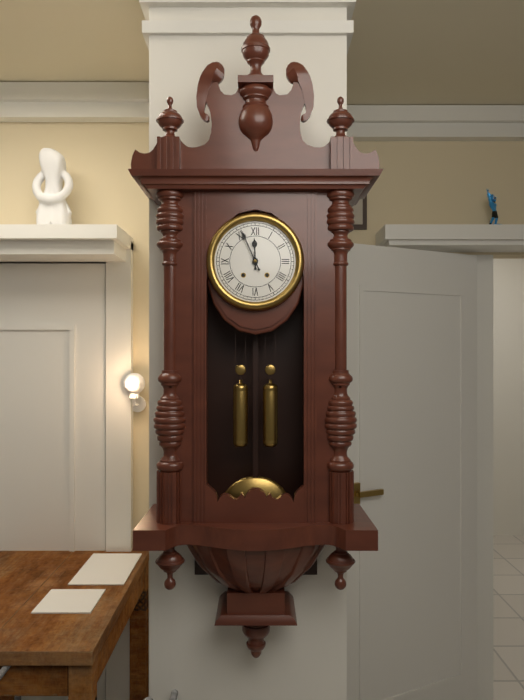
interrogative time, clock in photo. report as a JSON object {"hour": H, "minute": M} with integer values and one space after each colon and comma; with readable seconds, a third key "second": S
{"hour": 11, "minute": 56}
